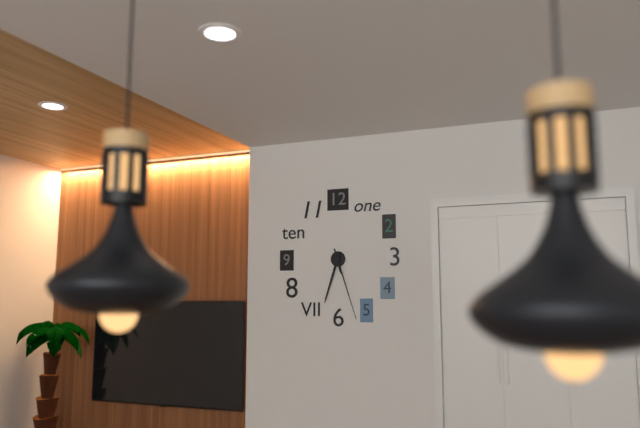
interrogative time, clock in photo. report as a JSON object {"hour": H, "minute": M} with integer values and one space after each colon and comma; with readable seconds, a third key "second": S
{"hour": 5, "minute": 33, "second": 27}
